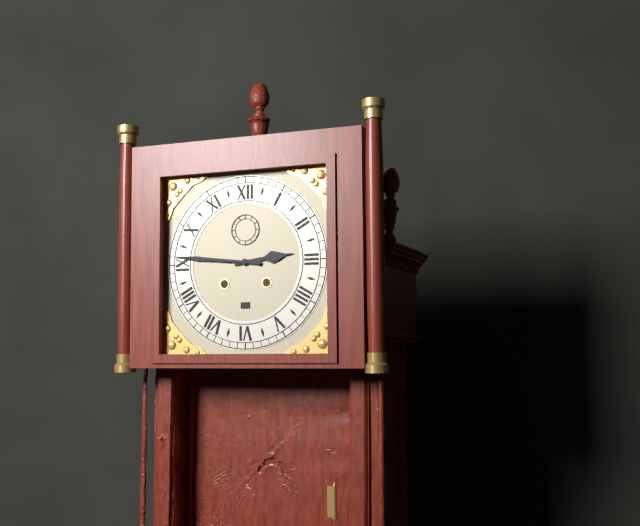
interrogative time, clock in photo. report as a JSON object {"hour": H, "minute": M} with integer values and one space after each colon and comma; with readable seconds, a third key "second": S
{"hour": 2, "minute": 46}
